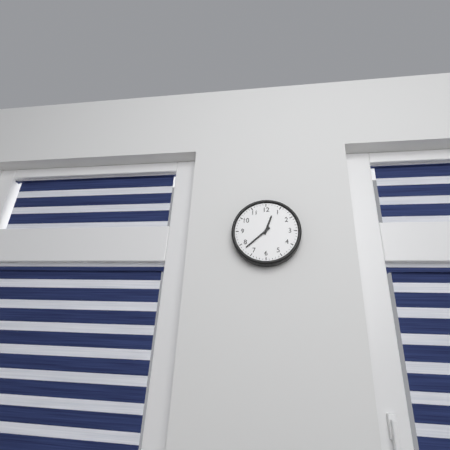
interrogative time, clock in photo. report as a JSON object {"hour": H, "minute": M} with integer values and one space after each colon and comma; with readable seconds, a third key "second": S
{"hour": 12, "minute": 38}
